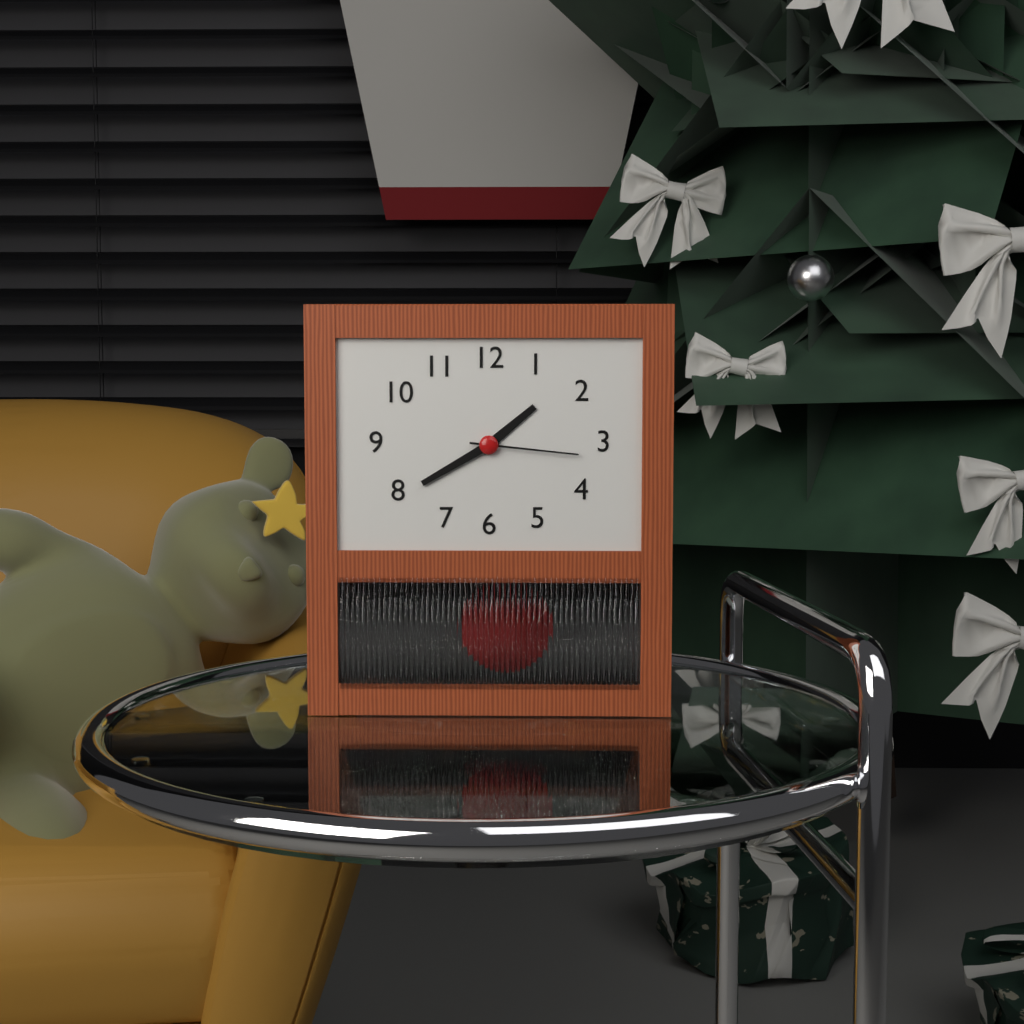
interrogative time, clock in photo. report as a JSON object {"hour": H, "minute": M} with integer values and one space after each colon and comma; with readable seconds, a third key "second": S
{"hour": 1, "minute": 40, "second": 16}
